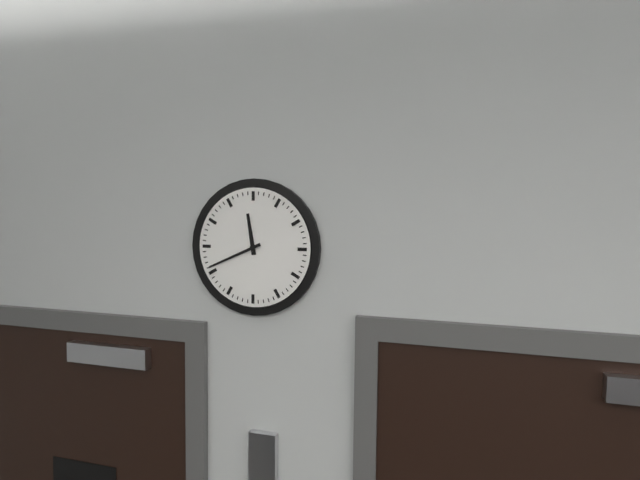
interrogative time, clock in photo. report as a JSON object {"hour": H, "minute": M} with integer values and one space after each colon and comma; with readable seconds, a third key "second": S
{"hour": 11, "minute": 41}
